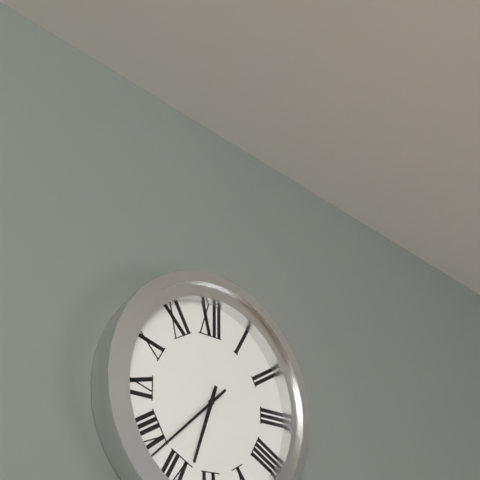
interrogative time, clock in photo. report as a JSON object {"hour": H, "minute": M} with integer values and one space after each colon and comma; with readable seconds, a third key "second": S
{"hour": 6, "minute": 38}
